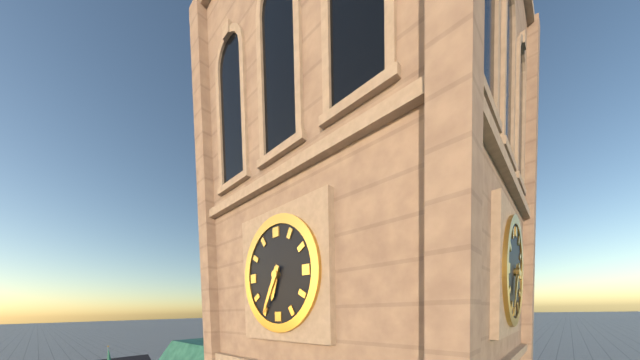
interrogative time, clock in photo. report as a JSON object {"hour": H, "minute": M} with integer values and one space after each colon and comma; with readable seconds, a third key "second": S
{"hour": 6, "minute": 35}
